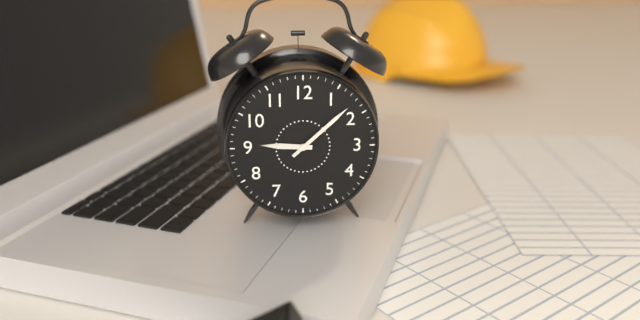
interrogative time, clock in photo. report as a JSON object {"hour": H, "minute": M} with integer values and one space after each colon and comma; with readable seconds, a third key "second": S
{"hour": 9, "minute": 8}
